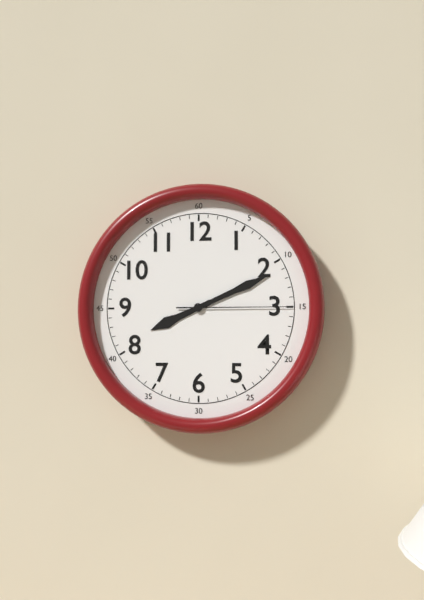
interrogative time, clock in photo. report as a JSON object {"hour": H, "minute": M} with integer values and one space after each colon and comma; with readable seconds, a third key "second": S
{"hour": 8, "minute": 11, "second": 15}
